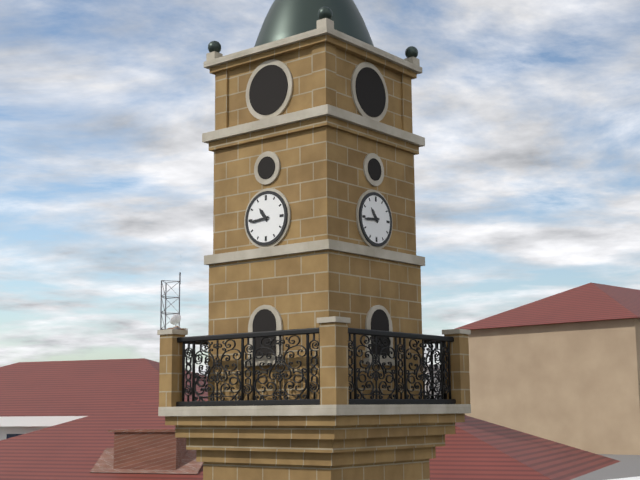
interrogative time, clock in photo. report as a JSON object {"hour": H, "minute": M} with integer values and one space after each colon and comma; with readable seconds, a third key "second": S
{"hour": 10, "minute": 44}
